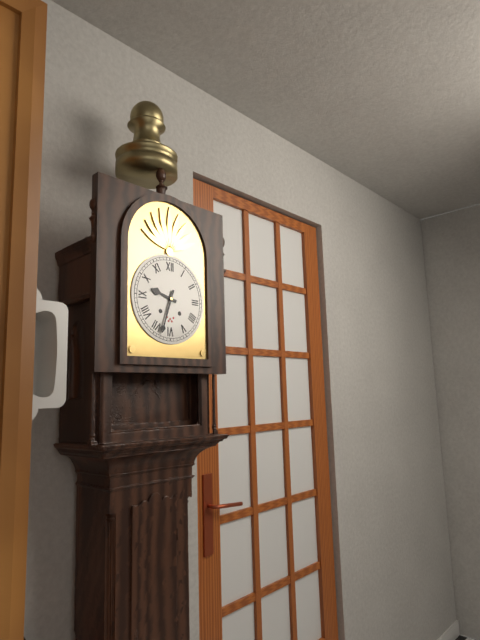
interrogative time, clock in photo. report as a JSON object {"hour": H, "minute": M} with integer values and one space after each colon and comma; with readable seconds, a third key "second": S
{"hour": 9, "minute": 33}
